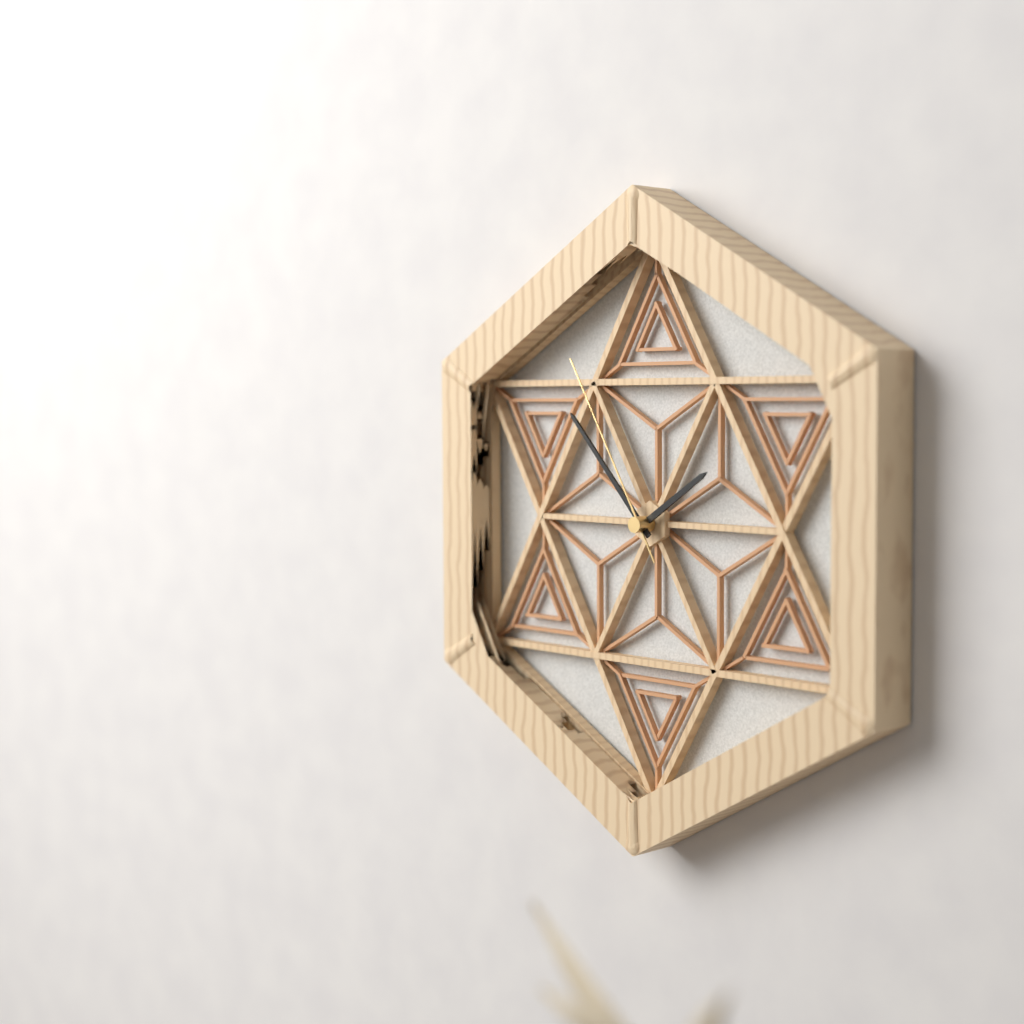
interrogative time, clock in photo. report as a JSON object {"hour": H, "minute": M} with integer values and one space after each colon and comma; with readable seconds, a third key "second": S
{"hour": 1, "minute": 53, "second": 55}
